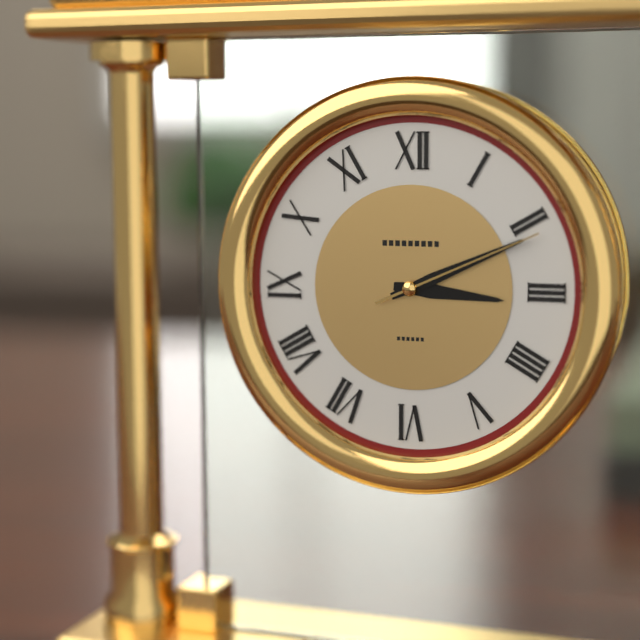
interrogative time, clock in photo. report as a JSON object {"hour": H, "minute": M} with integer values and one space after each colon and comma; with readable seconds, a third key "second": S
{"hour": 3, "minute": 11, "second": 11}
